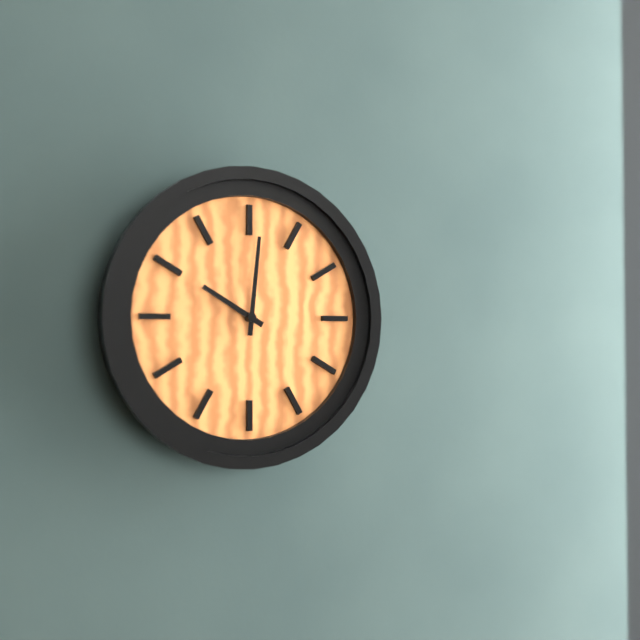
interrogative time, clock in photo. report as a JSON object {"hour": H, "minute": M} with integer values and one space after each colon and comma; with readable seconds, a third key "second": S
{"hour": 10, "minute": 1}
